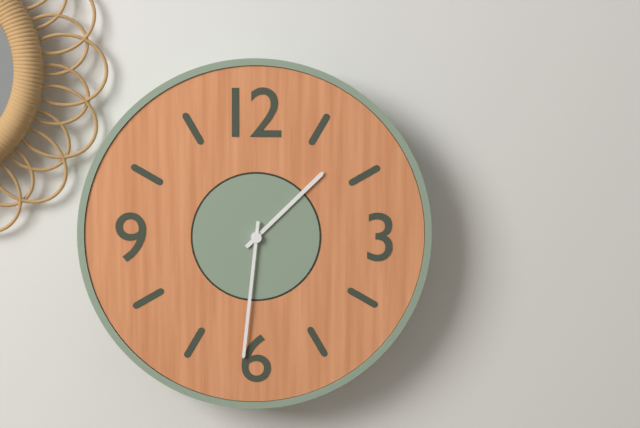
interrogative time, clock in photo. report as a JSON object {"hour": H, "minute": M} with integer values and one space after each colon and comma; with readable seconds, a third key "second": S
{"hour": 1, "minute": 31}
